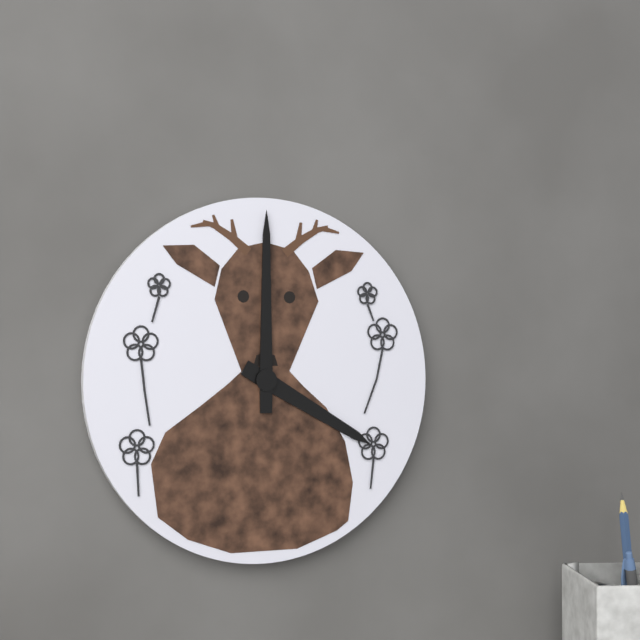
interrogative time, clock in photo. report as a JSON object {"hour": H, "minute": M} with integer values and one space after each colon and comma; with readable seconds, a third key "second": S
{"hour": 4, "minute": 0}
